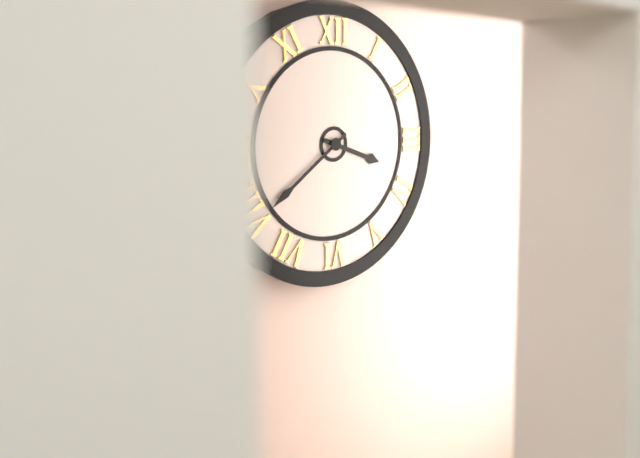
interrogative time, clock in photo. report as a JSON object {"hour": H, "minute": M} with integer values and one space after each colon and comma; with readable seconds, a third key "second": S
{"hour": 3, "minute": 39}
